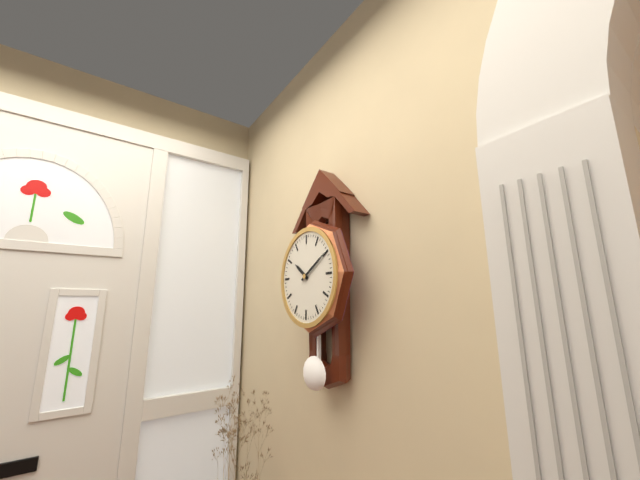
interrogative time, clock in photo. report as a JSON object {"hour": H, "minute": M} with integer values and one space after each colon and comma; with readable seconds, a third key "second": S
{"hour": 10, "minute": 10}
